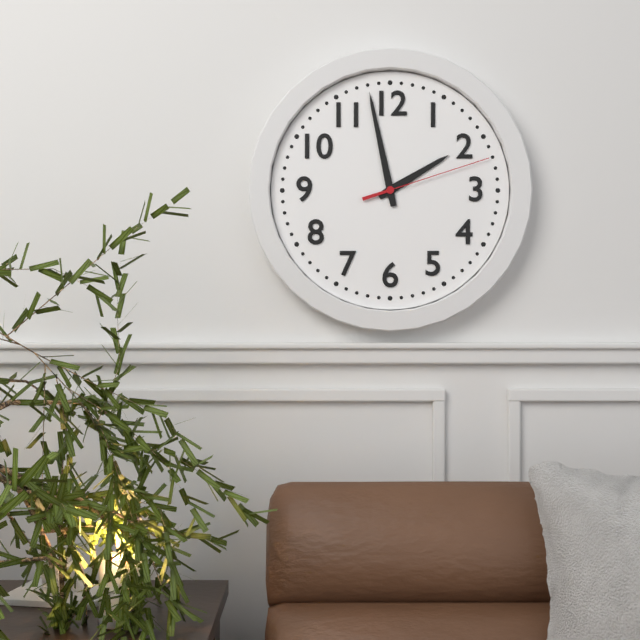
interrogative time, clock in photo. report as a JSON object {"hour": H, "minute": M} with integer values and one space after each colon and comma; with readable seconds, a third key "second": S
{"hour": 1, "minute": 58, "second": 12}
